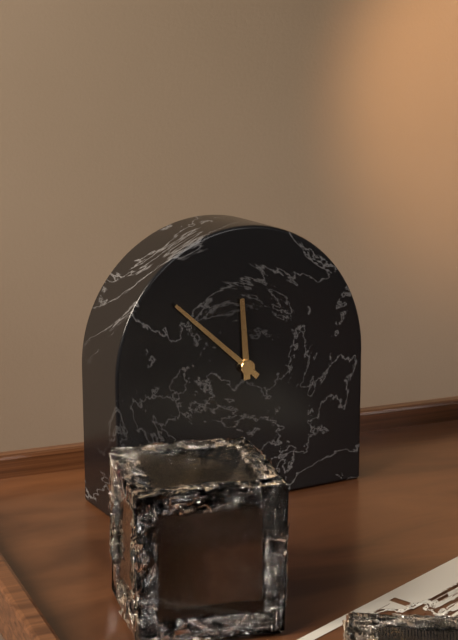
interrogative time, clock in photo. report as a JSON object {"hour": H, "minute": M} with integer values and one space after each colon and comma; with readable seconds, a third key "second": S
{"hour": 11, "minute": 52}
